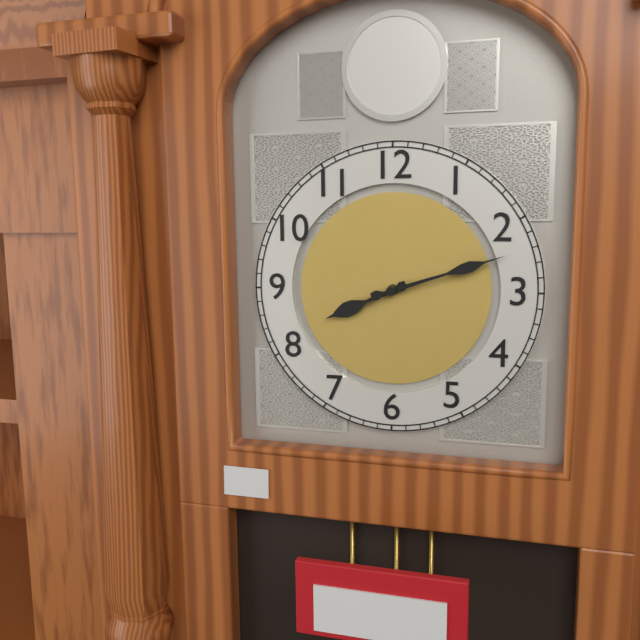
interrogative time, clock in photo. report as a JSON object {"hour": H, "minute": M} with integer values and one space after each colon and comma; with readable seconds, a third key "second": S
{"hour": 8, "minute": 12}
